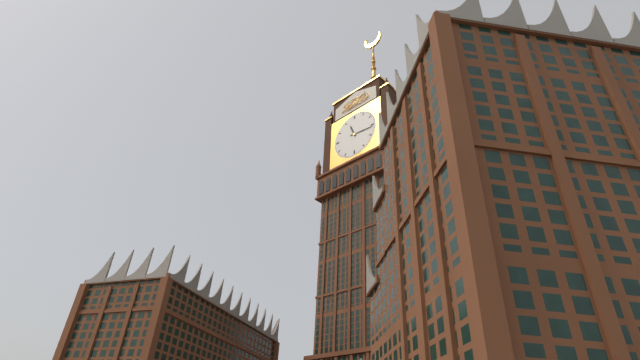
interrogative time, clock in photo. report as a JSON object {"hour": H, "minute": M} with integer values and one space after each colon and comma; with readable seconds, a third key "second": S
{"hour": 11, "minute": 16}
